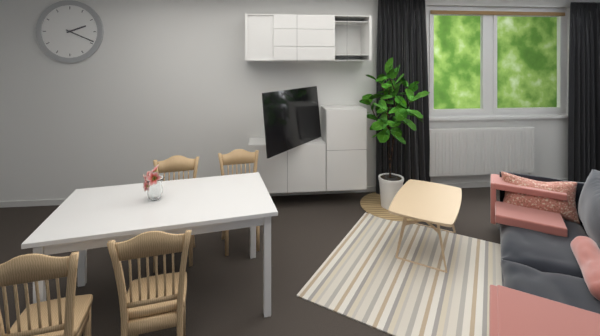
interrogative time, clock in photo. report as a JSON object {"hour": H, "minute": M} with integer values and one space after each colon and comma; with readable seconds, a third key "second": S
{"hour": 2, "minute": 19}
